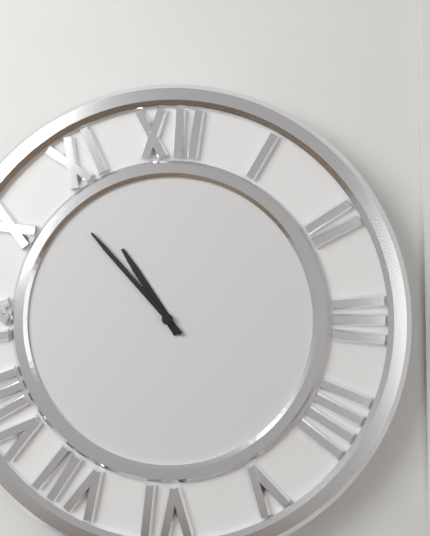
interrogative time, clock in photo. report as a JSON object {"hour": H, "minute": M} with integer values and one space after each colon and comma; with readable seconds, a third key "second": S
{"hour": 10, "minute": 53}
